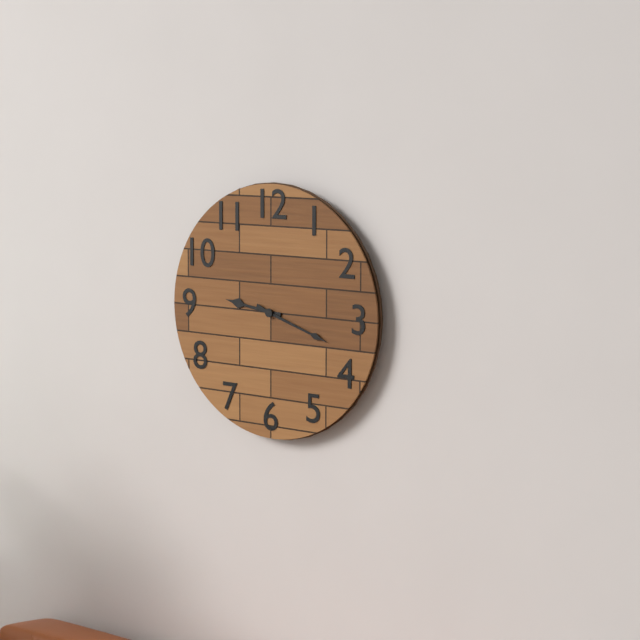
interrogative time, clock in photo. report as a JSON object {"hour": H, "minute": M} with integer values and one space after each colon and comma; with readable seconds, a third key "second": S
{"hour": 9, "minute": 18}
